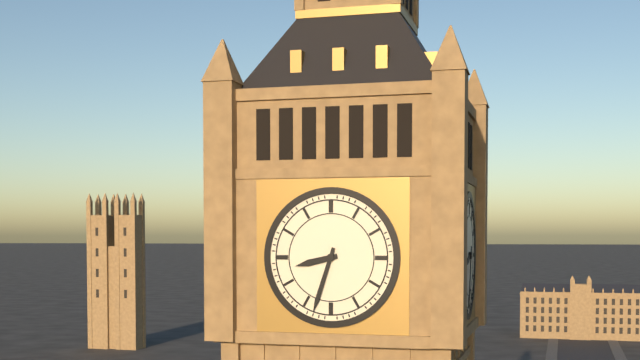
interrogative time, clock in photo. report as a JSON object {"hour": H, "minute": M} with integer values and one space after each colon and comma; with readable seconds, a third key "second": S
{"hour": 8, "minute": 33}
